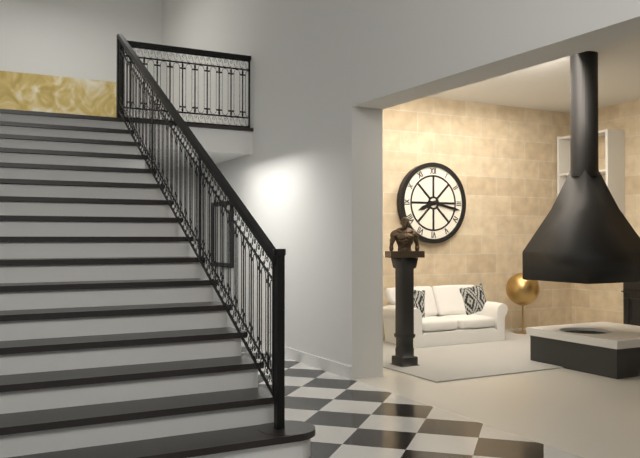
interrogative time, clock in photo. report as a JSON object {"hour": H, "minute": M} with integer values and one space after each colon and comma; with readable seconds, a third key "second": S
{"hour": 8, "minute": 17}
